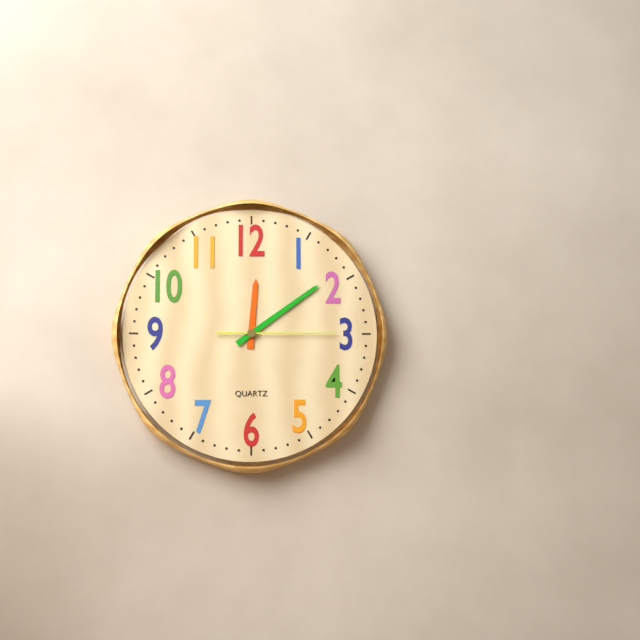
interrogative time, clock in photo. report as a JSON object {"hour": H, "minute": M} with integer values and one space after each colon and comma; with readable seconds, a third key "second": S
{"hour": 12, "minute": 9, "second": 15}
